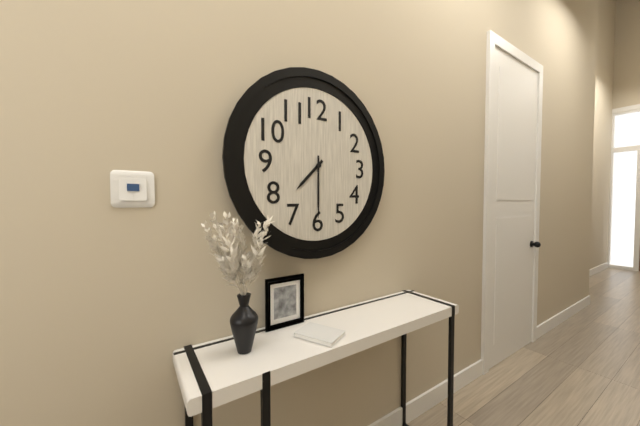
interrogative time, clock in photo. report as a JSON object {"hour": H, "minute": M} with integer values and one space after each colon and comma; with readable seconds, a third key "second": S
{"hour": 7, "minute": 30}
